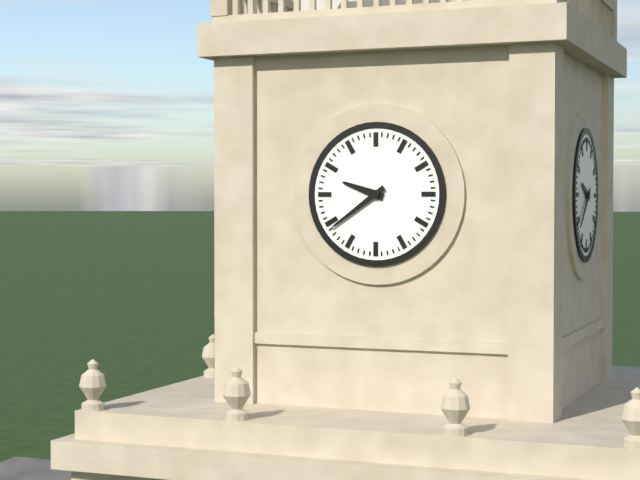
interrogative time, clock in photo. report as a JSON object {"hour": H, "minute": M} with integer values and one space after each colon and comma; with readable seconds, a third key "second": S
{"hour": 9, "minute": 39}
